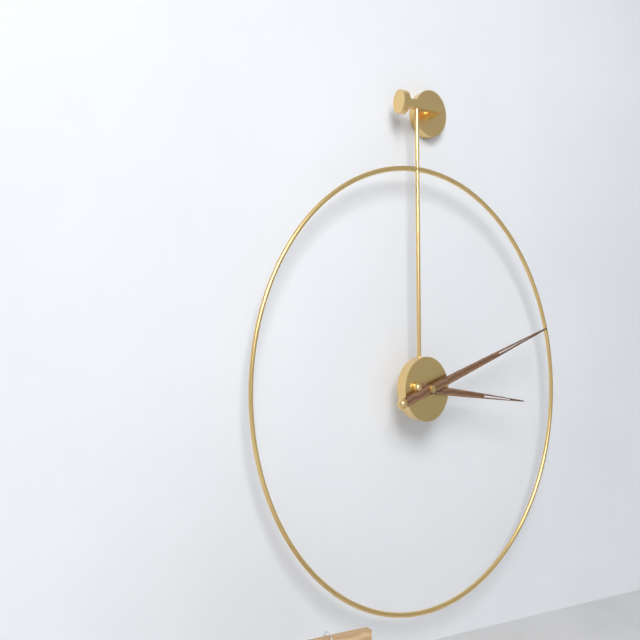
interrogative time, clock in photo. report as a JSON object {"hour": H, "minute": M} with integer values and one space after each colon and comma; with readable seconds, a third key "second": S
{"hour": 3, "minute": 12}
